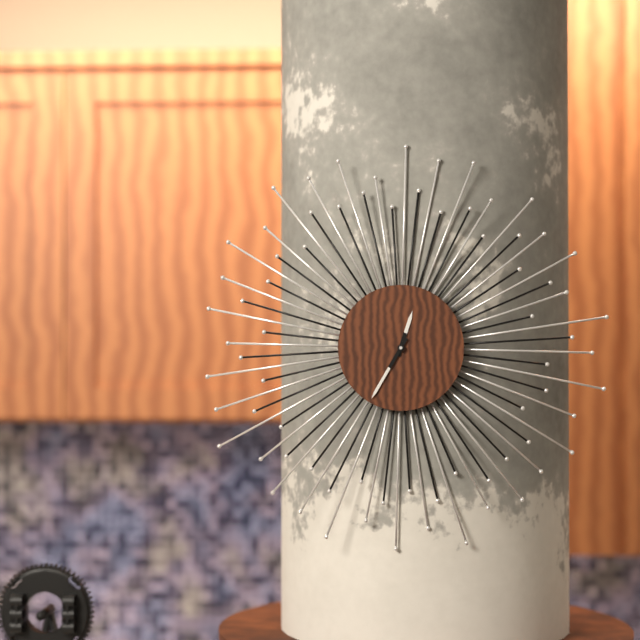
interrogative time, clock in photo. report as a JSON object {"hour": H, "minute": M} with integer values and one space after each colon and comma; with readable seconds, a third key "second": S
{"hour": 12, "minute": 35}
